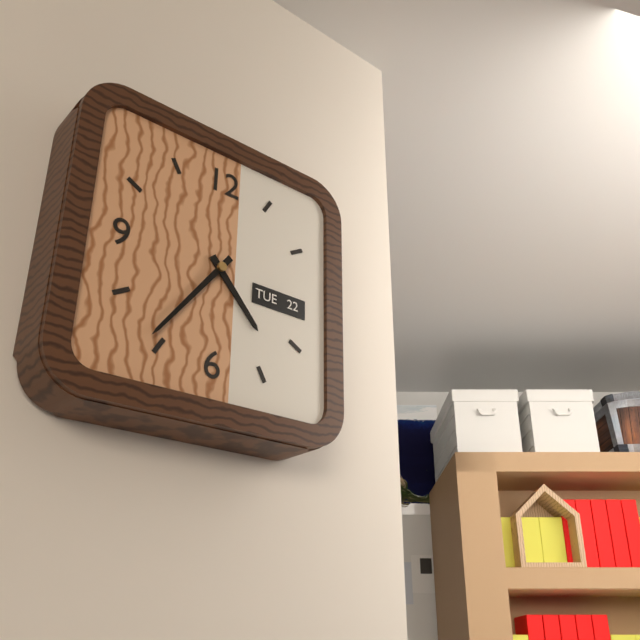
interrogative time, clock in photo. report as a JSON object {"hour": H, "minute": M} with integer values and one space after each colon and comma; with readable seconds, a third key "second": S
{"hour": 4, "minute": 36}
